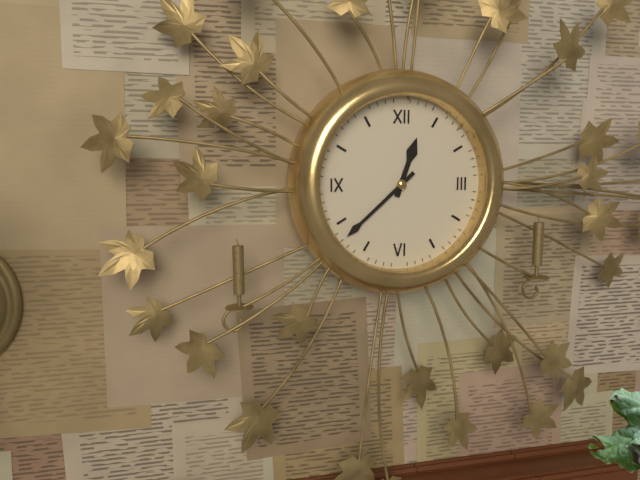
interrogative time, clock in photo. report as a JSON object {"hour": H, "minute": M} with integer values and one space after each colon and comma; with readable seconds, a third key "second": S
{"hour": 12, "minute": 38}
